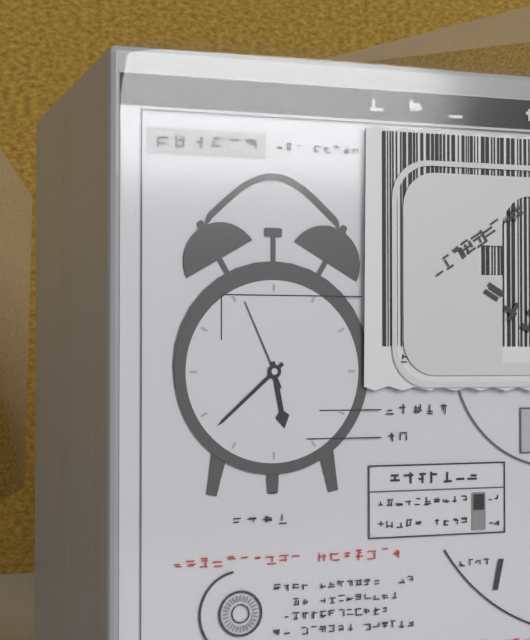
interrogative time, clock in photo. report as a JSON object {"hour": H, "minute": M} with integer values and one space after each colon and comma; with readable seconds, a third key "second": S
{"hour": 5, "minute": 38, "second": 56}
